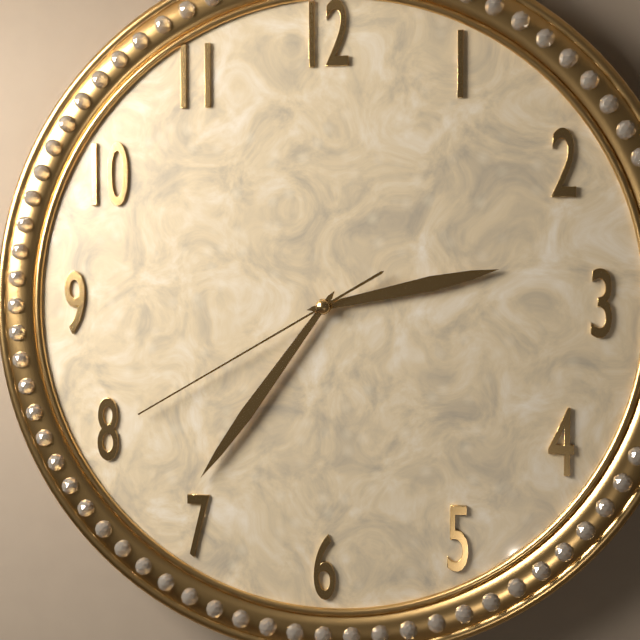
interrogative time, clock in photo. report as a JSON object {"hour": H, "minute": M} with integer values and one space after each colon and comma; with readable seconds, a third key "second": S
{"hour": 2, "minute": 36, "second": 40}
